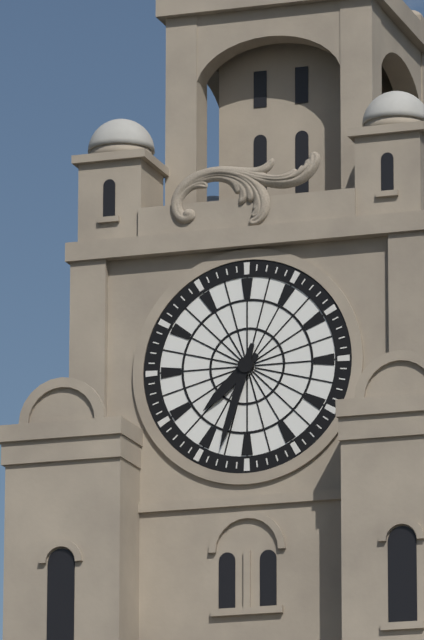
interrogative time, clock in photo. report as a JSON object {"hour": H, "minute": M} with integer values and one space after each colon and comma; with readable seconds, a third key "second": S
{"hour": 7, "minute": 33}
